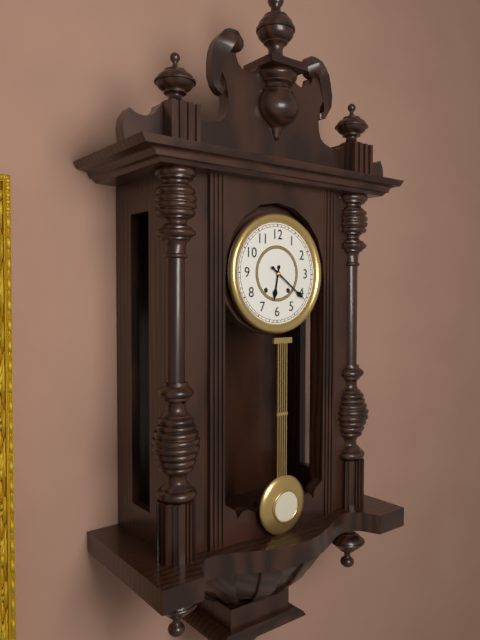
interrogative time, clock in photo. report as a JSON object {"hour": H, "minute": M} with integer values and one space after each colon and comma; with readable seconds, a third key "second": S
{"hour": 6, "minute": 21}
